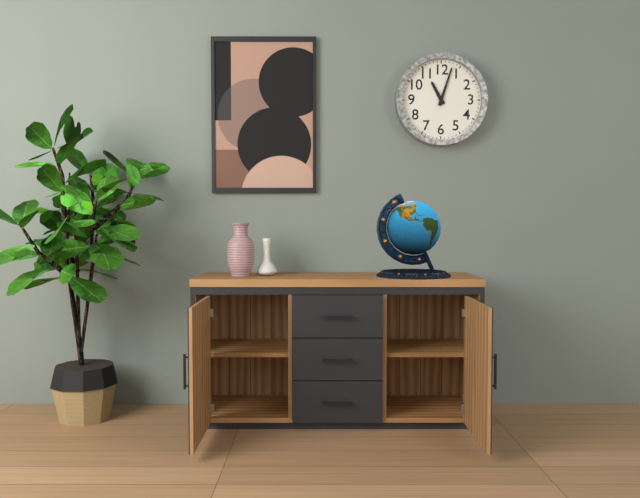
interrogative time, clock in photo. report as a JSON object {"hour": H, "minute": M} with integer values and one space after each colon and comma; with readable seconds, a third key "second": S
{"hour": 11, "minute": 3}
